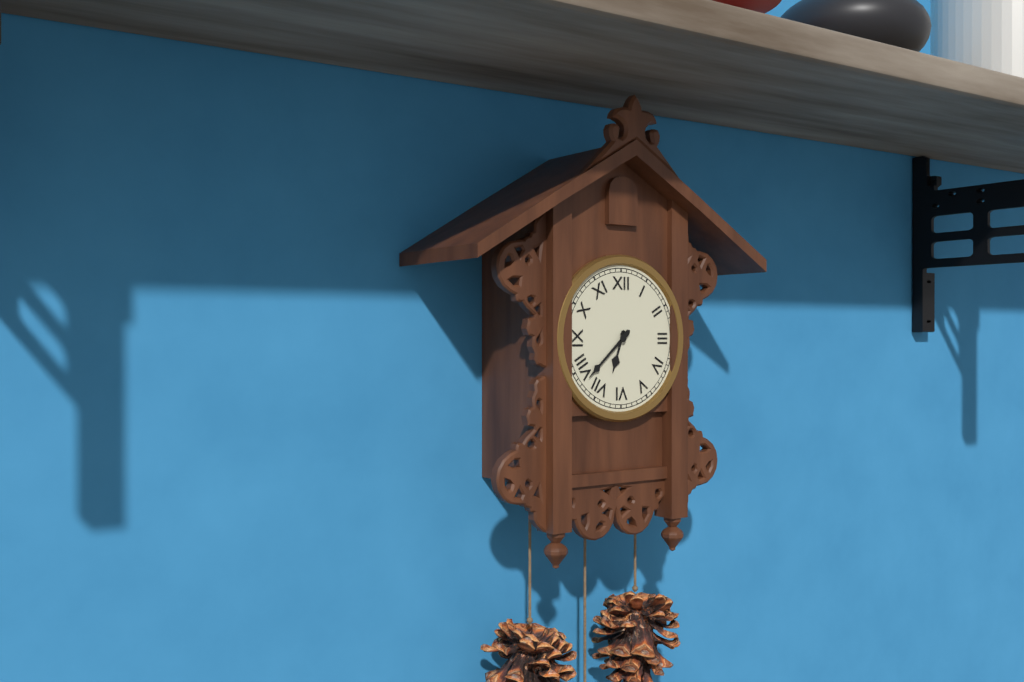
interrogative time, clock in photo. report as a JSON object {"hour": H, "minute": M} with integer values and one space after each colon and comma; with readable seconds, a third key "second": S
{"hour": 6, "minute": 38}
